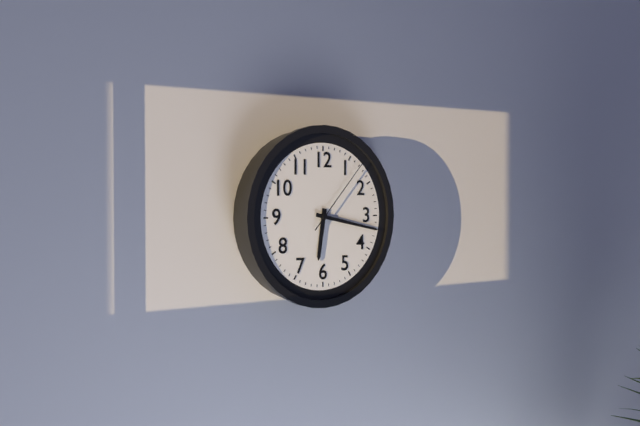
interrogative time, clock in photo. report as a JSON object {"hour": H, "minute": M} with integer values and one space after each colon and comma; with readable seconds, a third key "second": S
{"hour": 6, "minute": 17, "second": 7}
